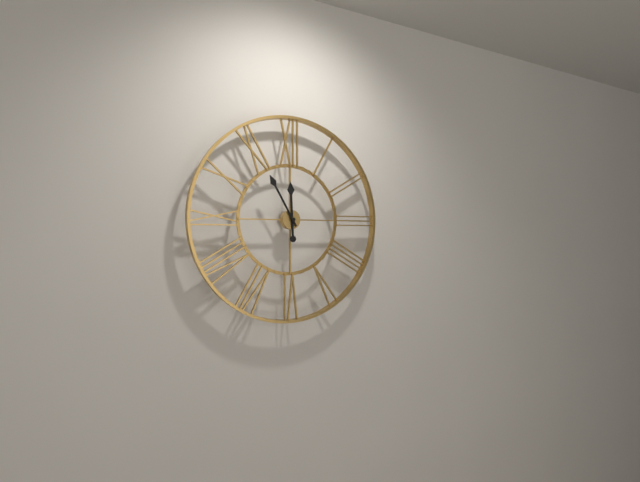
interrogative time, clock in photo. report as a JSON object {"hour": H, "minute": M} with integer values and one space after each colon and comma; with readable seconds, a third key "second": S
{"hour": 11, "minute": 55}
